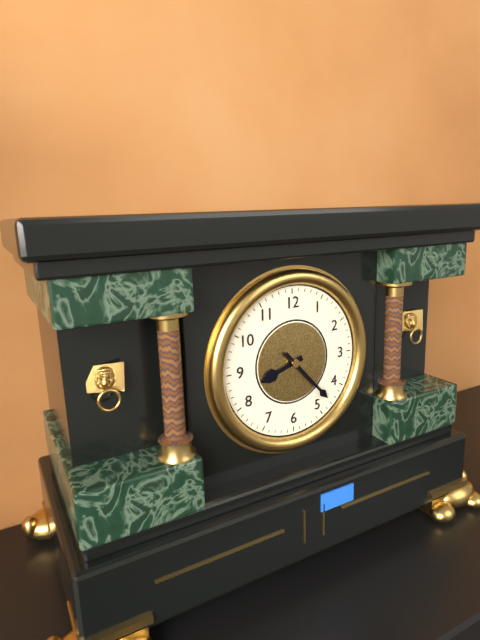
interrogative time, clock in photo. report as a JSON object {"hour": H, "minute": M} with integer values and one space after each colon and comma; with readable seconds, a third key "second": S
{"hour": 8, "minute": 23}
